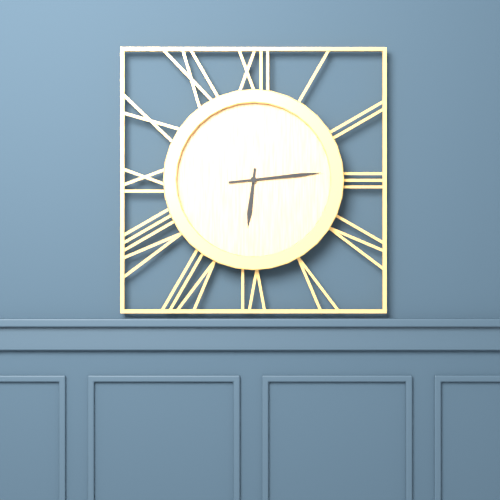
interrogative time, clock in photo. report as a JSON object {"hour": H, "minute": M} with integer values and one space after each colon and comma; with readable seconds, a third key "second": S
{"hour": 6, "minute": 14}
